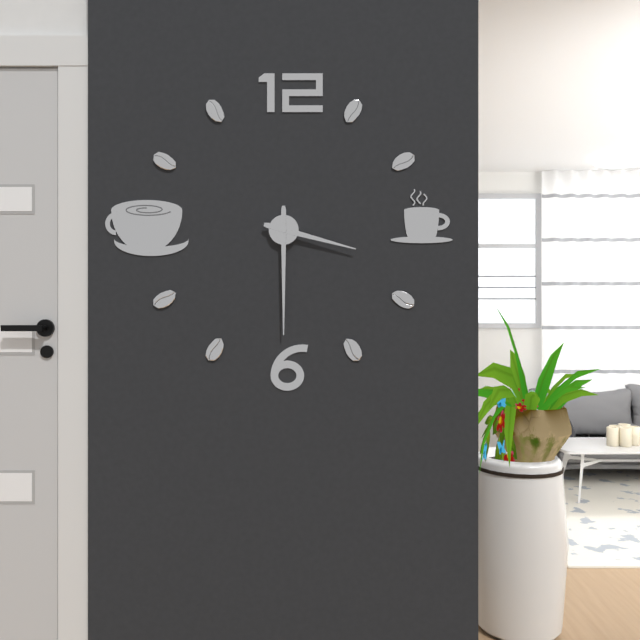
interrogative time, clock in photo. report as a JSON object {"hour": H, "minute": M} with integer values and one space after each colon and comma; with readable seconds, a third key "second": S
{"hour": 3, "minute": 30}
